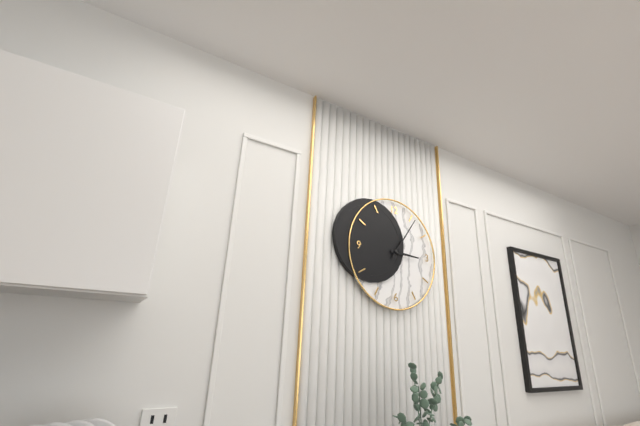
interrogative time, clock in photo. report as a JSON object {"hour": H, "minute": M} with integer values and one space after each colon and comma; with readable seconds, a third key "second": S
{"hour": 3, "minute": 6}
